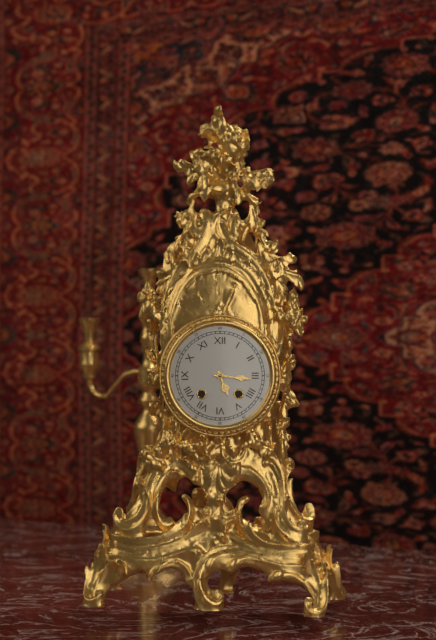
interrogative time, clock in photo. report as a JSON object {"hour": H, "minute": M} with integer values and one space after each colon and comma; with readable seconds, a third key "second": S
{"hour": 5, "minute": 16}
